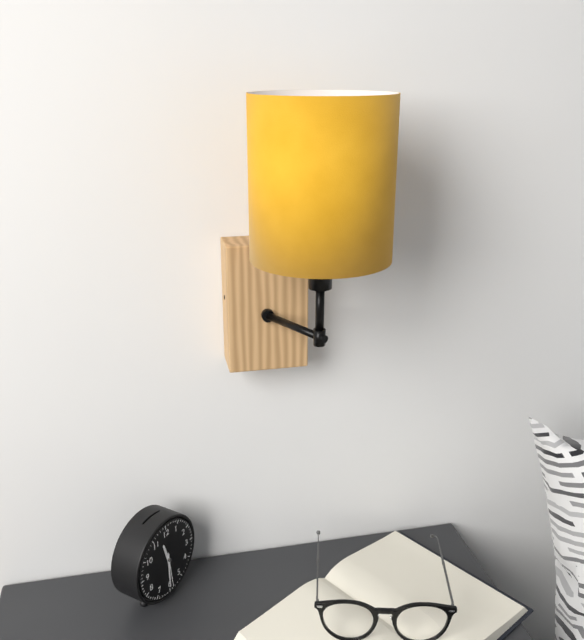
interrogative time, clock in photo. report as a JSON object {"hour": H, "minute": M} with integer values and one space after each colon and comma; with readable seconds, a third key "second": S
{"hour": 11, "minute": 30}
